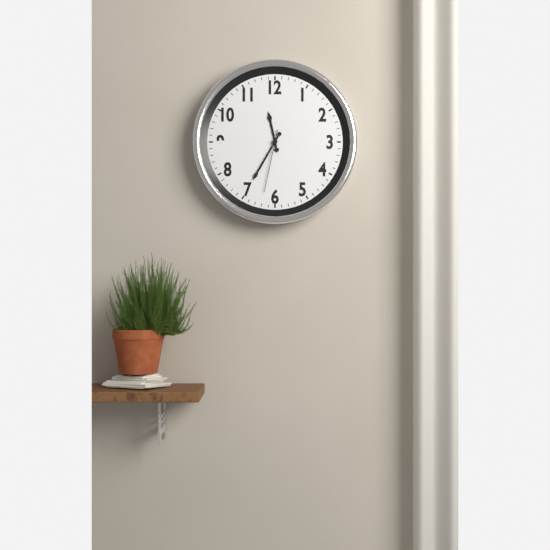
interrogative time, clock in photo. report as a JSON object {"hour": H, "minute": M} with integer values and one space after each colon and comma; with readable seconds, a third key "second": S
{"hour": 11, "minute": 35, "second": 32}
